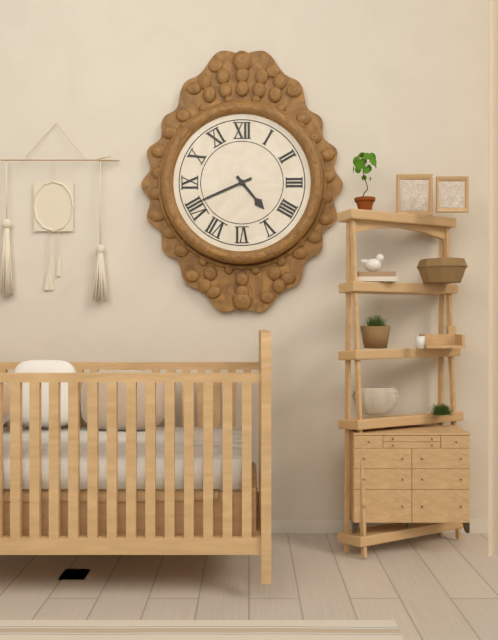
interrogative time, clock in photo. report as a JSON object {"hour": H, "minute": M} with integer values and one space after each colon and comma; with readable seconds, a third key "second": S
{"hour": 4, "minute": 41}
